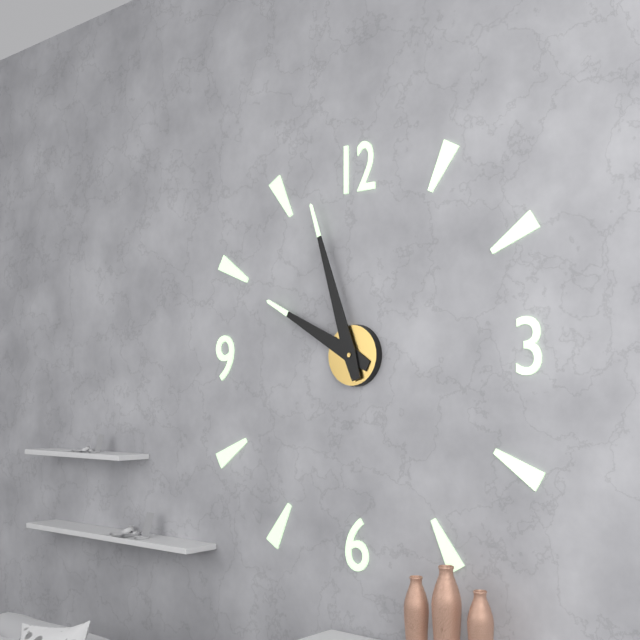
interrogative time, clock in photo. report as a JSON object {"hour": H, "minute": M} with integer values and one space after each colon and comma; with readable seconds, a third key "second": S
{"hour": 9, "minute": 57}
